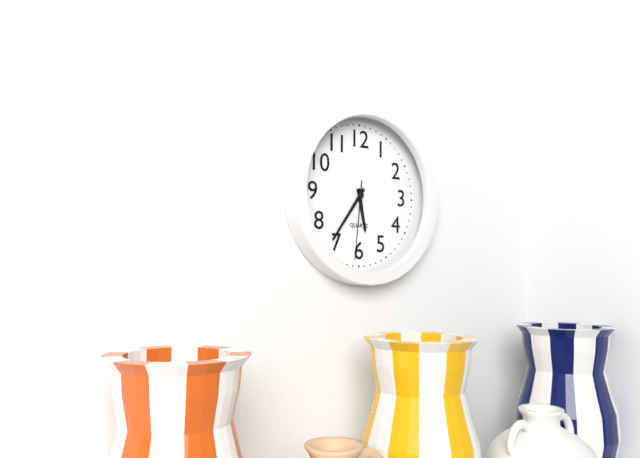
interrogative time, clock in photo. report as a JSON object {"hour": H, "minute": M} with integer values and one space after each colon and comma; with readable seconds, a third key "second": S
{"hour": 5, "minute": 36, "second": 31}
